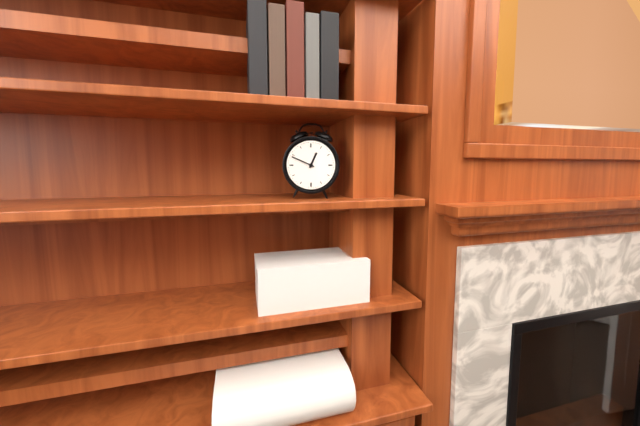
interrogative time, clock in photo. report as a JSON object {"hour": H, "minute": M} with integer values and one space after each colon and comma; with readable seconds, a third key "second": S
{"hour": 12, "minute": 49}
